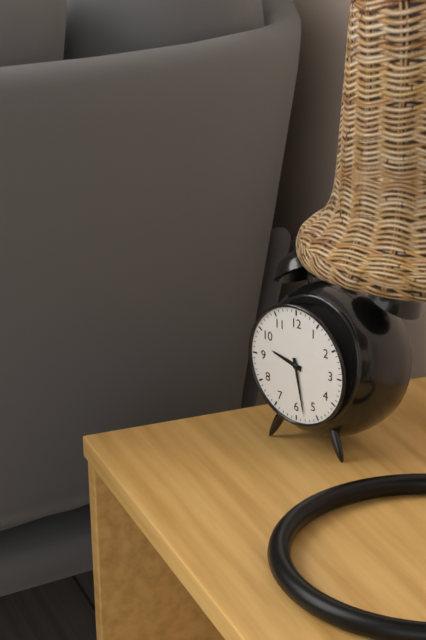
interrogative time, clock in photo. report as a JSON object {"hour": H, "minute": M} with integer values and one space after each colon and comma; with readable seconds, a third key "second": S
{"hour": 9, "minute": 28}
